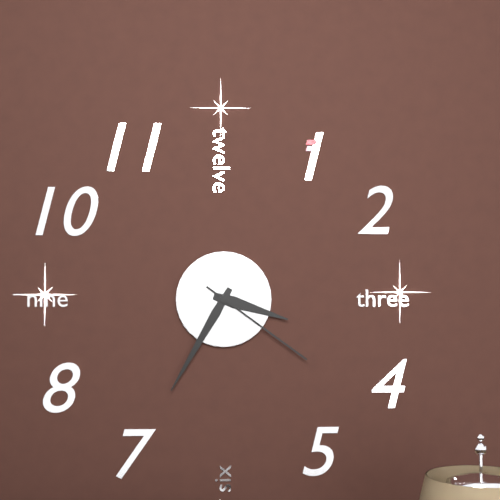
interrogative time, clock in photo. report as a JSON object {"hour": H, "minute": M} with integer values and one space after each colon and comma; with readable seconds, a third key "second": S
{"hour": 3, "minute": 35, "second": 21}
